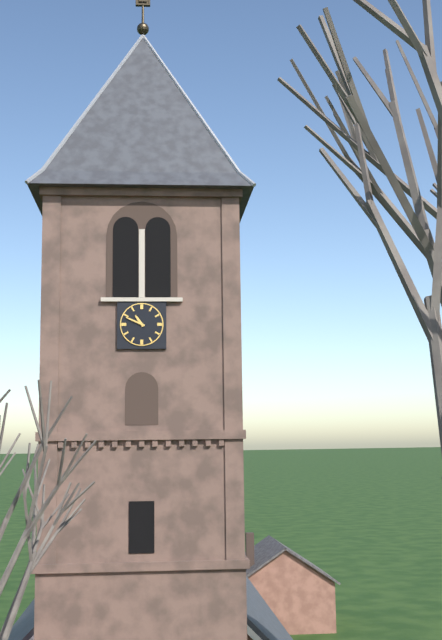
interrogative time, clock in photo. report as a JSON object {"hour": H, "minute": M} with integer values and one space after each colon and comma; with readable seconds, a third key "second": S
{"hour": 10, "minute": 49}
